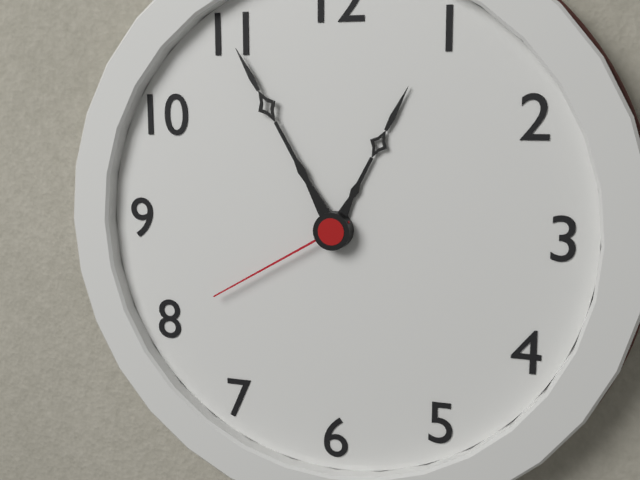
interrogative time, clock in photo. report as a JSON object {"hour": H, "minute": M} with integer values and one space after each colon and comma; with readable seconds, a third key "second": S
{"hour": 12, "minute": 55, "second": 40}
